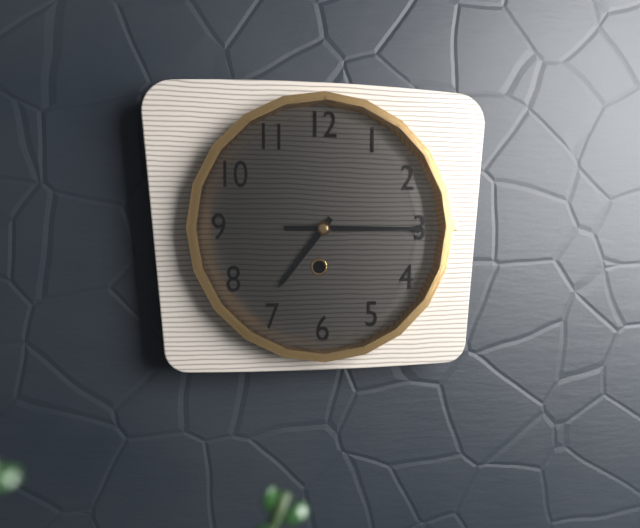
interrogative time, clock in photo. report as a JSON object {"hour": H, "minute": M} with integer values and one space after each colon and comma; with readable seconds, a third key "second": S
{"hour": 7, "minute": 15}
